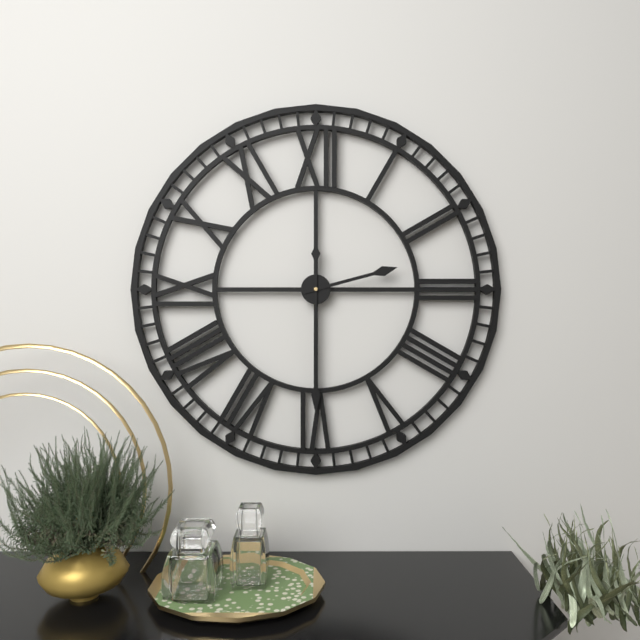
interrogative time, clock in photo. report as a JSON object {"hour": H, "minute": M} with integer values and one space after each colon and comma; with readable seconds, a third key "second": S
{"hour": 2, "minute": 30}
